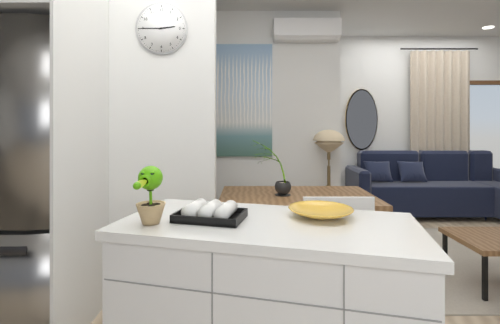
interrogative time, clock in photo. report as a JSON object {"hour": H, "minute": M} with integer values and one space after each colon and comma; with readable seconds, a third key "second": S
{"hour": 2, "minute": 45}
